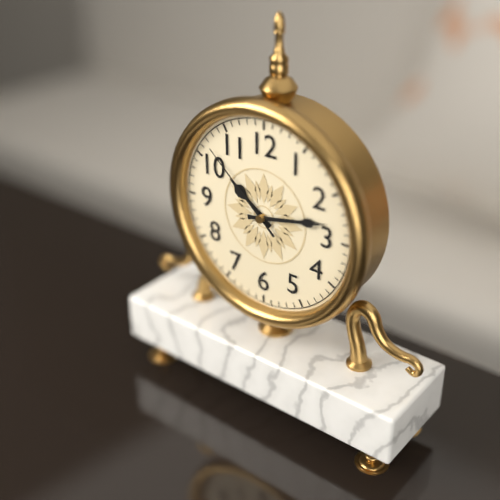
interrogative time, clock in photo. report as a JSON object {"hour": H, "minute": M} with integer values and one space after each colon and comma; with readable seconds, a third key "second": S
{"hour": 10, "minute": 13, "second": 52}
